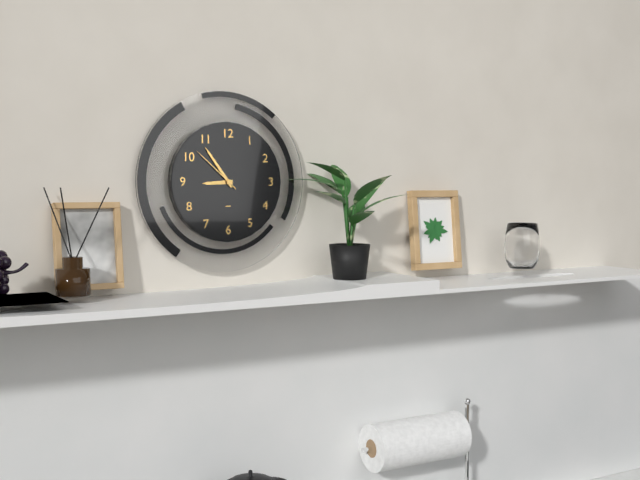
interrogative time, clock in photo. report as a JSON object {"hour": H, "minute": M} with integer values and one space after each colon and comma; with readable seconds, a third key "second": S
{"hour": 8, "minute": 54, "second": 52}
